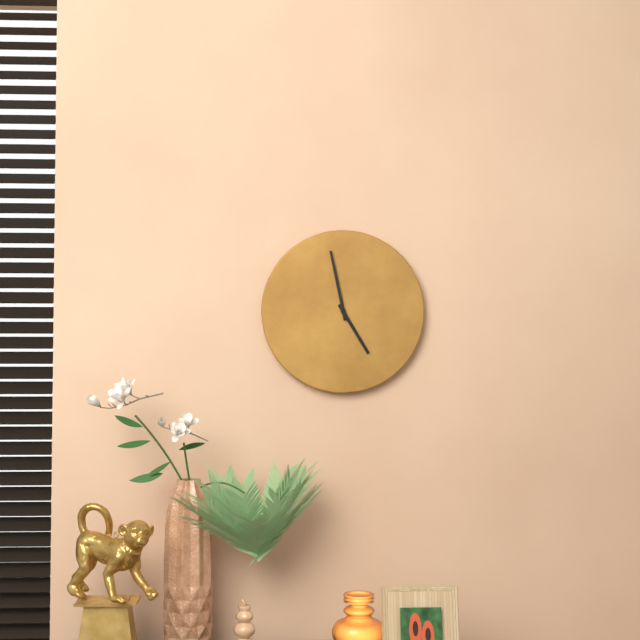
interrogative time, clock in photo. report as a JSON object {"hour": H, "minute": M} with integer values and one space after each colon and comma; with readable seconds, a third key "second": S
{"hour": 4, "minute": 58}
